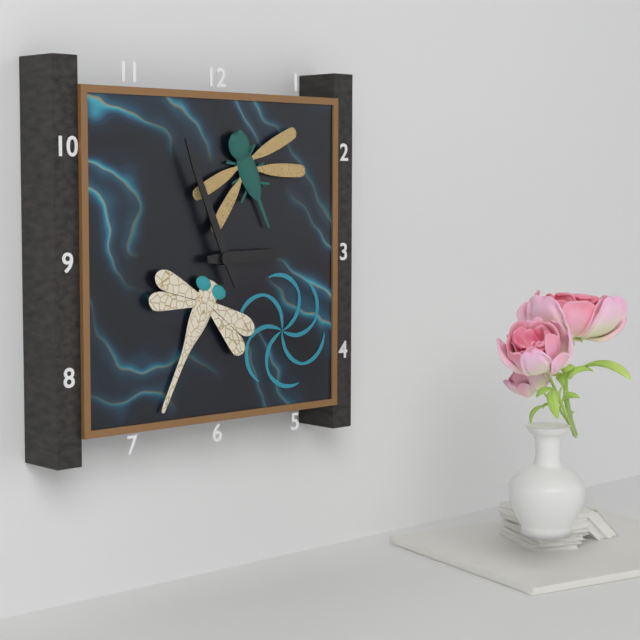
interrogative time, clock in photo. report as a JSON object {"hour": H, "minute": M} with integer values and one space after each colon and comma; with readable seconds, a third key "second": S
{"hour": 2, "minute": 56}
